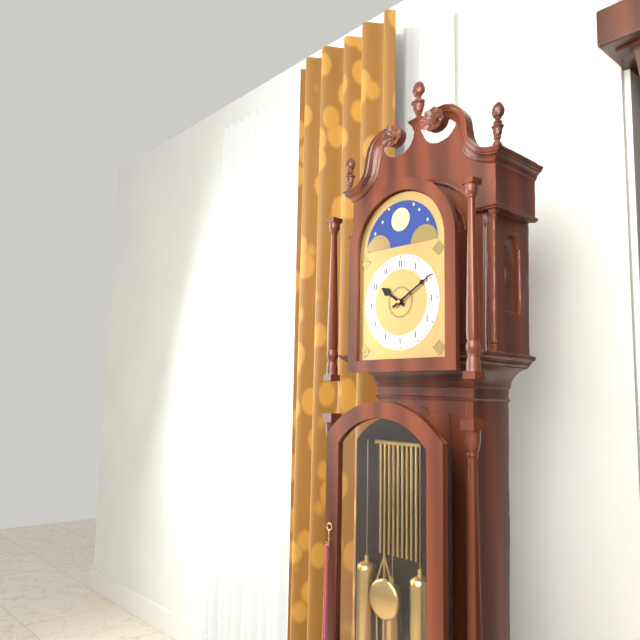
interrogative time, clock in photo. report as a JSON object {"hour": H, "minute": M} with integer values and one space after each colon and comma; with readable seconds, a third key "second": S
{"hour": 10, "minute": 10}
